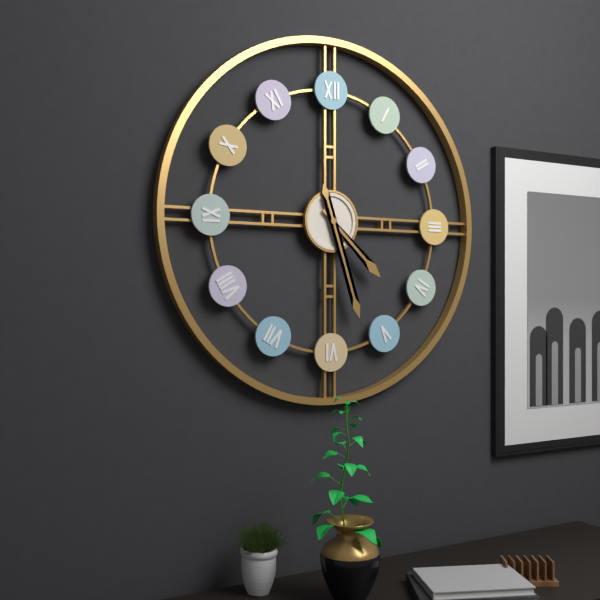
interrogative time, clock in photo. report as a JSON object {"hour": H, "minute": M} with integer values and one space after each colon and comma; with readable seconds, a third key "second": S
{"hour": 4, "minute": 27}
